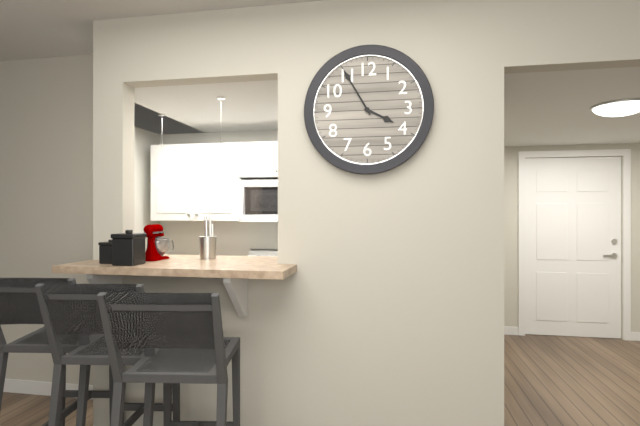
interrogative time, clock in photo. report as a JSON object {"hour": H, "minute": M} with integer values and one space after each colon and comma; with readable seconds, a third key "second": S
{"hour": 3, "minute": 55}
